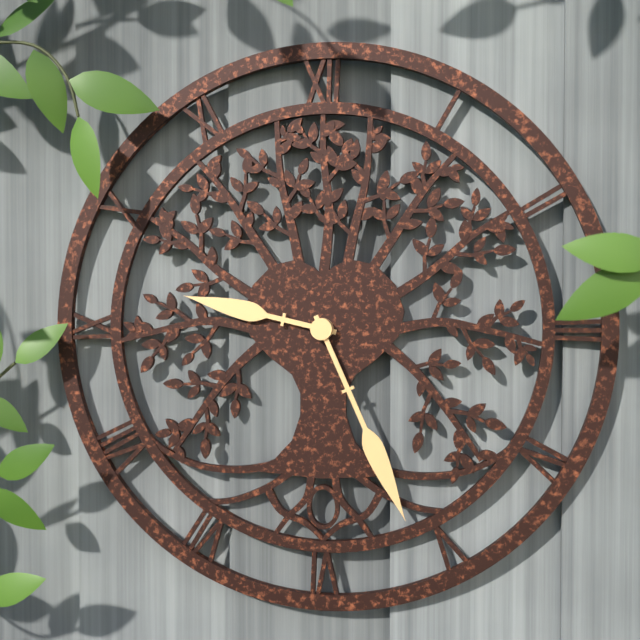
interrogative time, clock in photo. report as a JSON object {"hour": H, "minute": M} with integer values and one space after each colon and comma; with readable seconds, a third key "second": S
{"hour": 9, "minute": 26}
